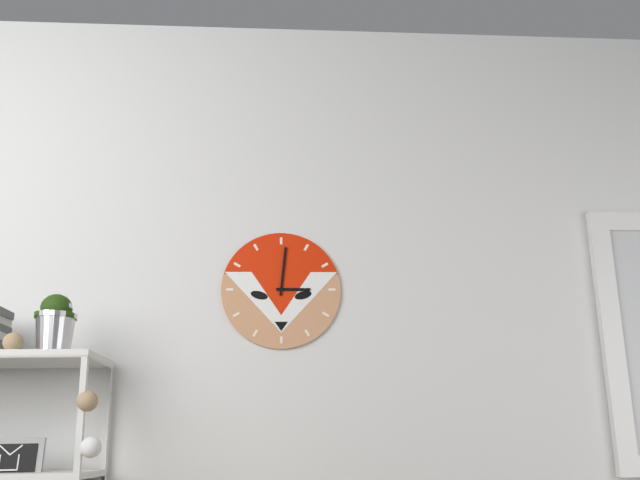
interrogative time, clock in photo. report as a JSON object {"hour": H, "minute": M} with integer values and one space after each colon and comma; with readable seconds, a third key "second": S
{"hour": 3, "minute": 1}
